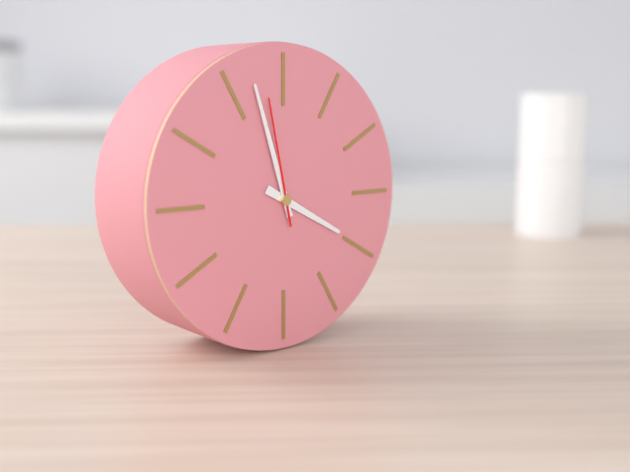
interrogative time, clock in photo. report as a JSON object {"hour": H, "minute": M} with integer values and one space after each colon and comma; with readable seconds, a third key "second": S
{"hour": 3, "minute": 57, "second": 58}
